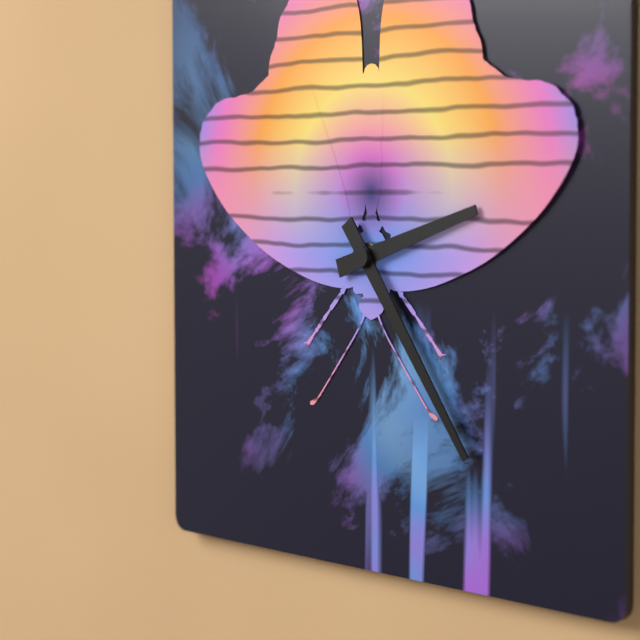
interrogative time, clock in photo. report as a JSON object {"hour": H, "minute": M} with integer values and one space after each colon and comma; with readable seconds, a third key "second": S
{"hour": 2, "minute": 24}
